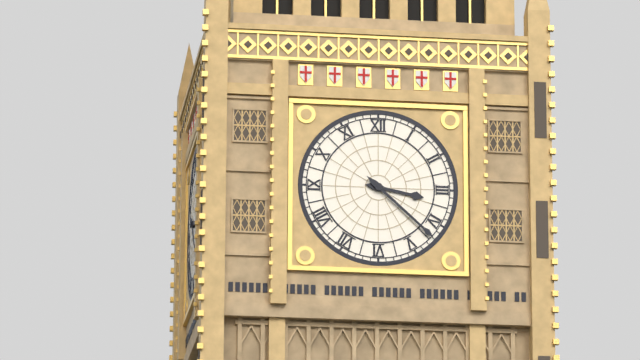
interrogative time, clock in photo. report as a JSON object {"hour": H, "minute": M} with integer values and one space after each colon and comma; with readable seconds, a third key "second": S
{"hour": 3, "minute": 22}
